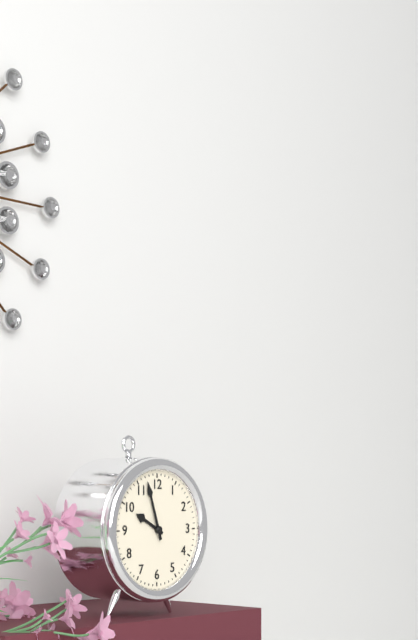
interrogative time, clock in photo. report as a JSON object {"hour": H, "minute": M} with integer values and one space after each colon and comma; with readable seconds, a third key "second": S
{"hour": 9, "minute": 57}
